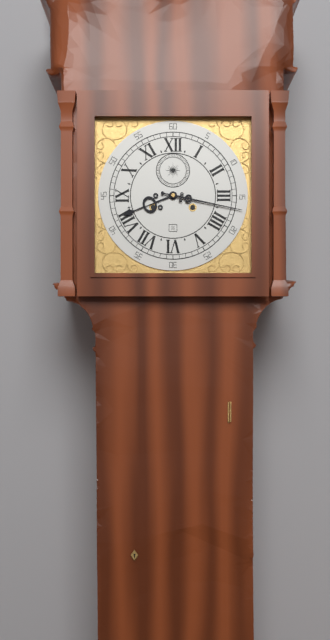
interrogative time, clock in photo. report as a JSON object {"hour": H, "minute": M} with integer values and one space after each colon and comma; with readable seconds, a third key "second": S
{"hour": 8, "minute": 17}
